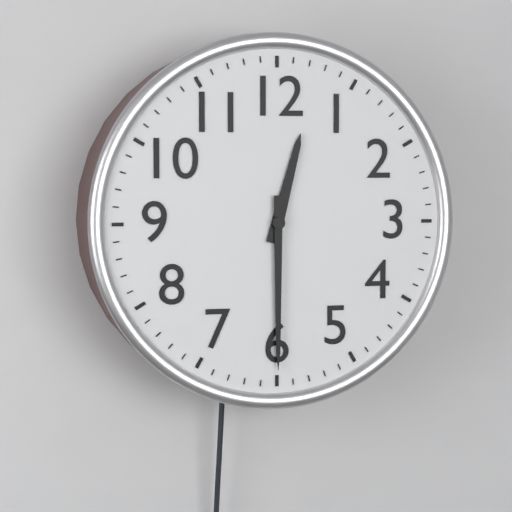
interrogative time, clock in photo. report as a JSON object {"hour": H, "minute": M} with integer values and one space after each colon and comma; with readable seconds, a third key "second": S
{"hour": 12, "minute": 30}
